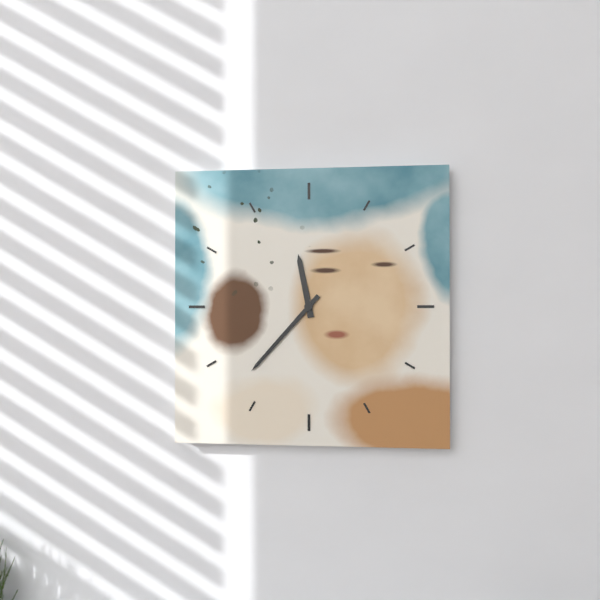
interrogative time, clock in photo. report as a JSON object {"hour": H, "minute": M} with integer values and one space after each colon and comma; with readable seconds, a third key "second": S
{"hour": 11, "minute": 37}
